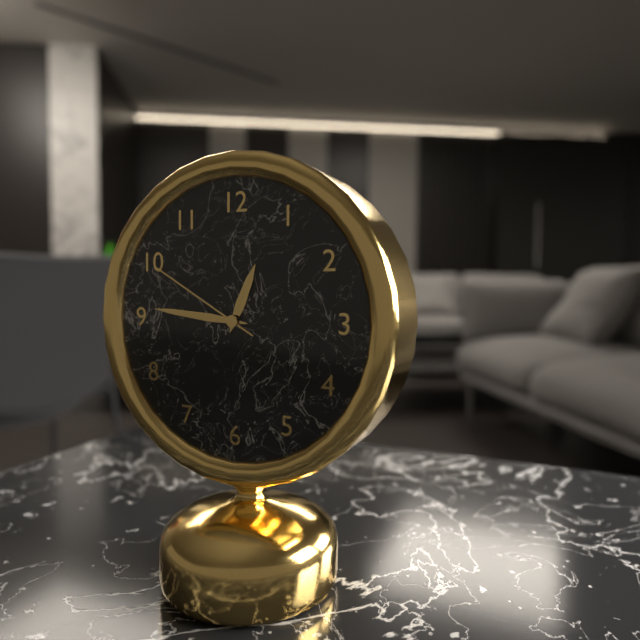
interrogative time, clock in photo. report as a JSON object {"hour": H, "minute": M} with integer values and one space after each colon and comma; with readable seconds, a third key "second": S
{"hour": 12, "minute": 46, "second": 50}
